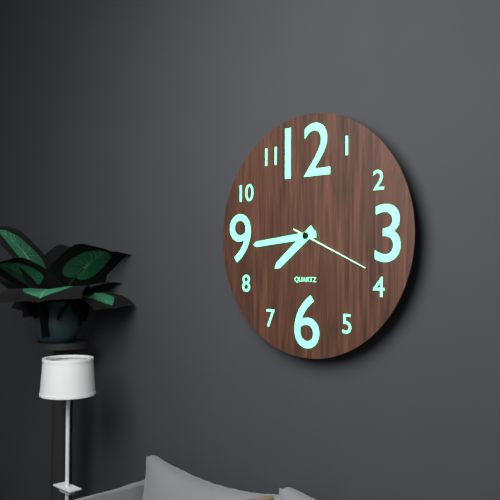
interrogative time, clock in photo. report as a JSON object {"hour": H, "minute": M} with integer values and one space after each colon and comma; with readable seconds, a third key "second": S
{"hour": 7, "minute": 44, "second": 19}
